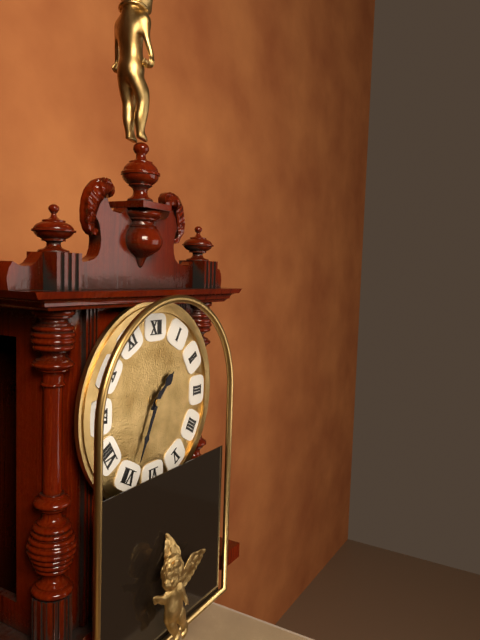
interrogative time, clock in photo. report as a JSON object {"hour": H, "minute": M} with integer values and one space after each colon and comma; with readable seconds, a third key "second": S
{"hour": 1, "minute": 34}
